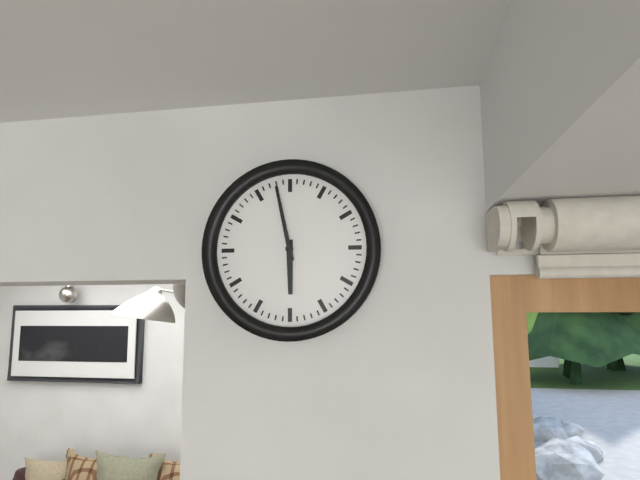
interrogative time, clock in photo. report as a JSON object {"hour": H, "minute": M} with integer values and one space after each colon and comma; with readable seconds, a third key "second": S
{"hour": 5, "minute": 58}
